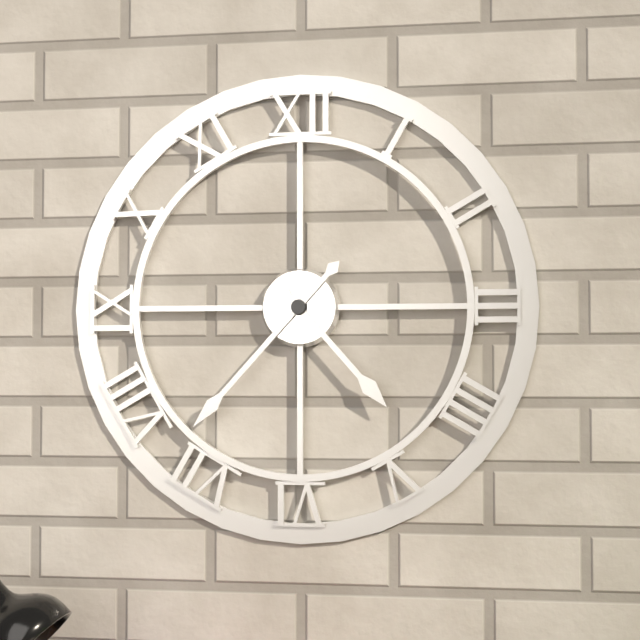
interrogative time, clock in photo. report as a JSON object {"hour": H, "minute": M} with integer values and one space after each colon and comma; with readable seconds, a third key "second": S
{"hour": 4, "minute": 37}
